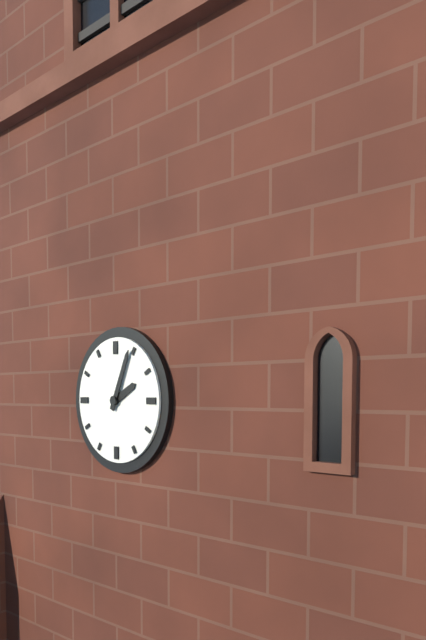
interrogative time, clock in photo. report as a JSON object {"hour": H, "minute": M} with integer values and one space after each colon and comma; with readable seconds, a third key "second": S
{"hour": 2, "minute": 4}
